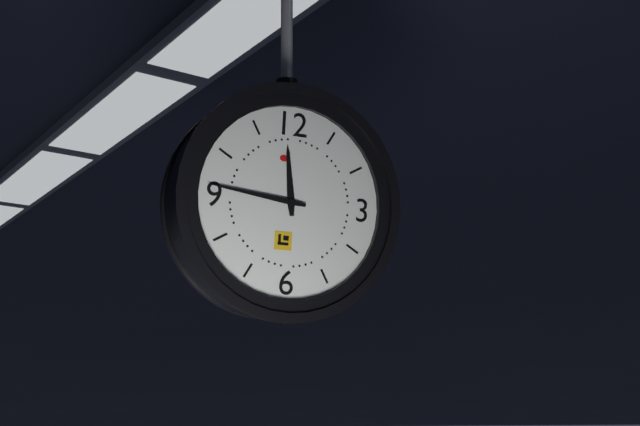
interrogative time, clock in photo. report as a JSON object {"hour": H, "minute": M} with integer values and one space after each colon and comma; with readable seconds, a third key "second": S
{"hour": 11, "minute": 46}
